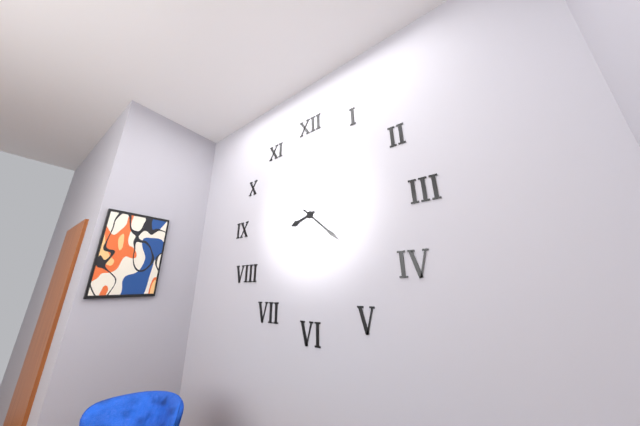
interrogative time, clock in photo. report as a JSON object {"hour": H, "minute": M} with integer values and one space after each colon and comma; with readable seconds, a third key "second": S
{"hour": 8, "minute": 22}
